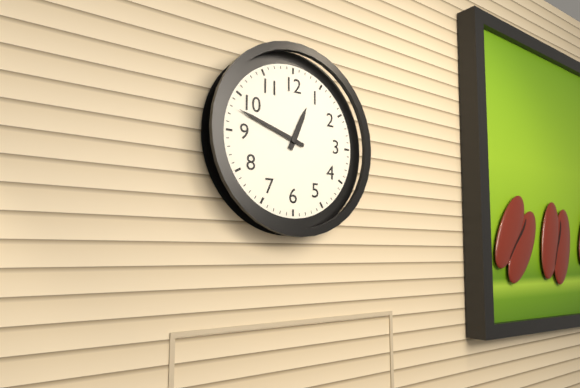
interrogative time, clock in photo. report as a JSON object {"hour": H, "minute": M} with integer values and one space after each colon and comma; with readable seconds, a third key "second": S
{"hour": 12, "minute": 48}
